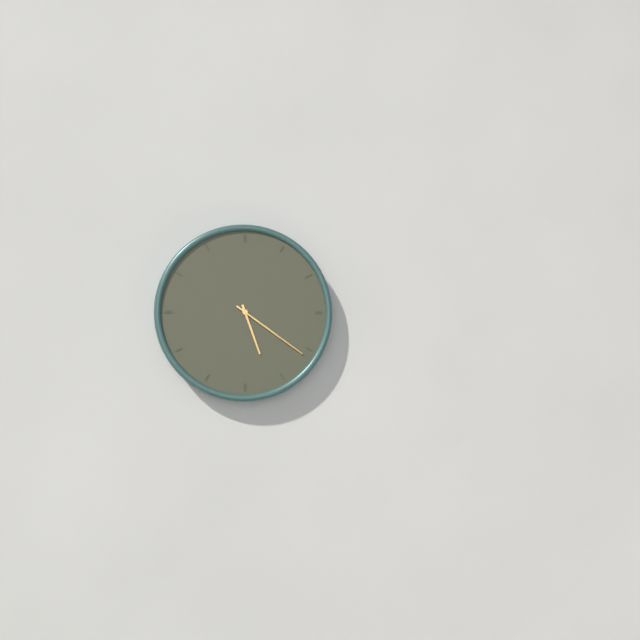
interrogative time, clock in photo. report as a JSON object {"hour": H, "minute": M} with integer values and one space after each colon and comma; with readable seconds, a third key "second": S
{"hour": 5, "minute": 21}
